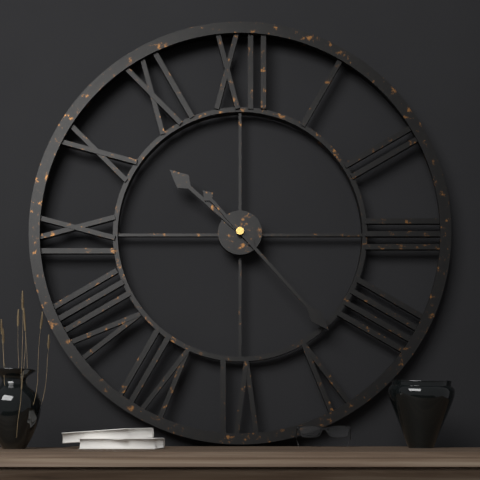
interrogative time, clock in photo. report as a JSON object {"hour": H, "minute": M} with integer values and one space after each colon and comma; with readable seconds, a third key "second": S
{"hour": 10, "minute": 23}
